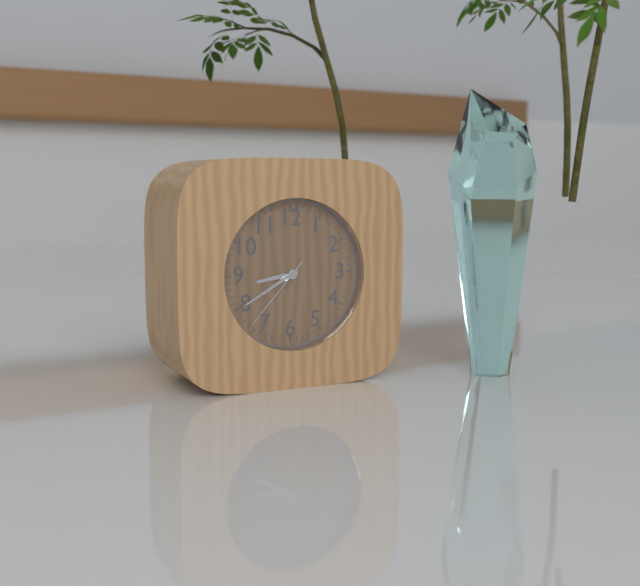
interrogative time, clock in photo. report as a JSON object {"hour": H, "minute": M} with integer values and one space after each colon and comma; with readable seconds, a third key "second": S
{"hour": 8, "minute": 40, "second": 37}
